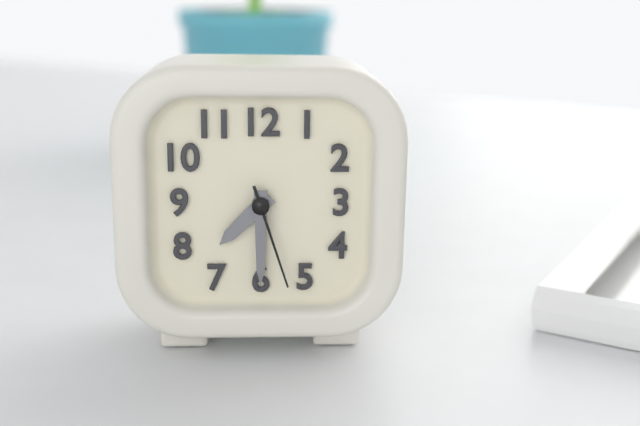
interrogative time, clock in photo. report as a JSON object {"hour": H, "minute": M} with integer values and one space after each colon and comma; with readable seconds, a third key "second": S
{"hour": 7, "minute": 30, "second": 27}
